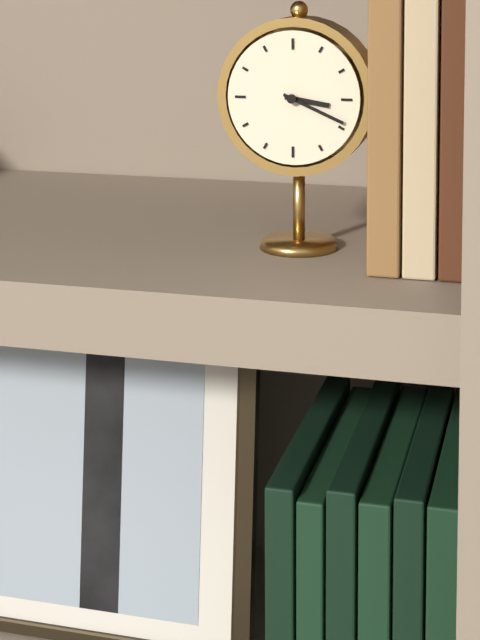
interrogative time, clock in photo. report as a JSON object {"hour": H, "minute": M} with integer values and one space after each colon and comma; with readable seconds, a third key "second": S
{"hour": 3, "minute": 19}
